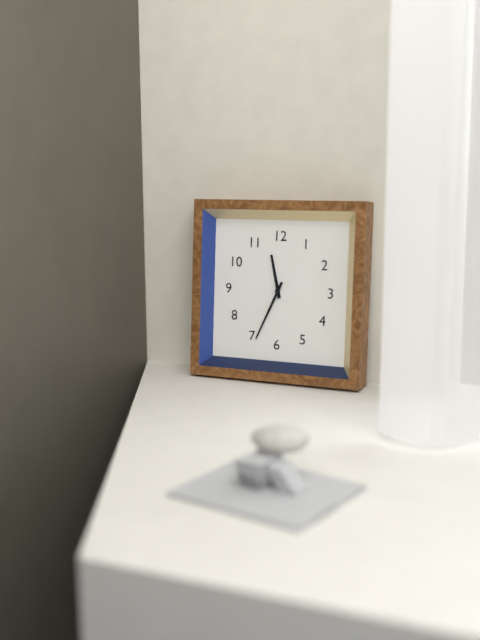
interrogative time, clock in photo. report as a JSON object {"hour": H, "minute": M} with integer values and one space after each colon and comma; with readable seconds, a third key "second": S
{"hour": 11, "minute": 34}
